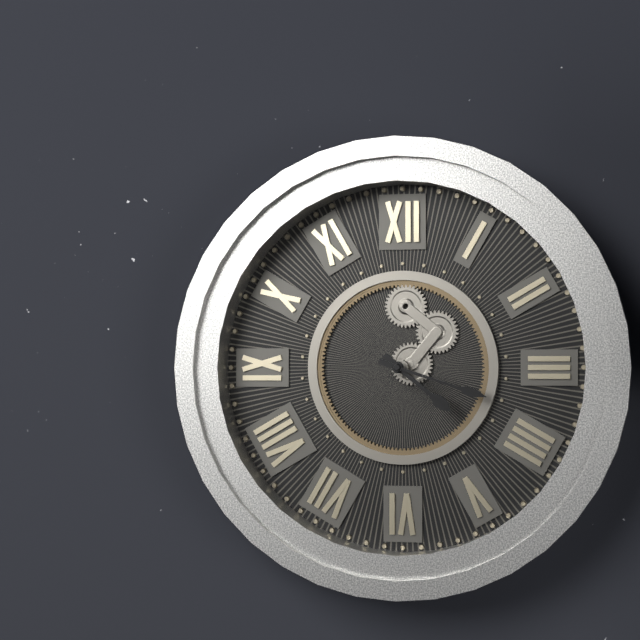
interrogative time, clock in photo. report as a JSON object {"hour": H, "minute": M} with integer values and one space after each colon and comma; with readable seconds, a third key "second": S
{"hour": 4, "minute": 18}
